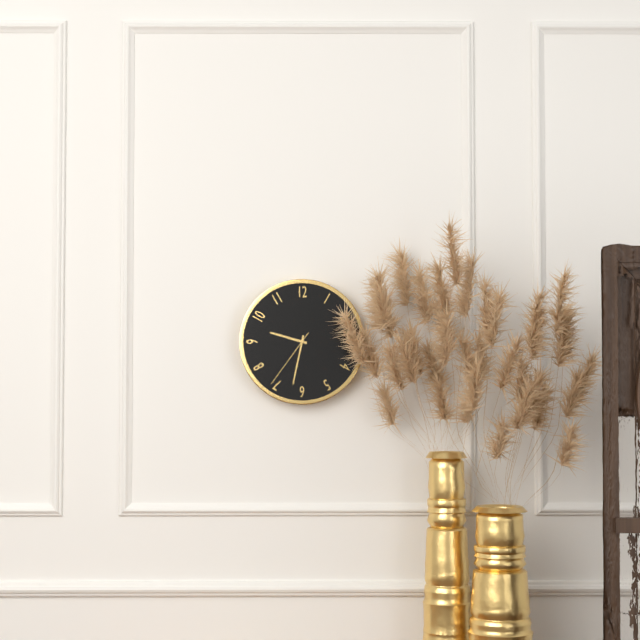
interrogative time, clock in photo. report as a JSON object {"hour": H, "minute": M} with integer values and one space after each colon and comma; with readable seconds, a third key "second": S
{"hour": 9, "minute": 32, "second": 36}
